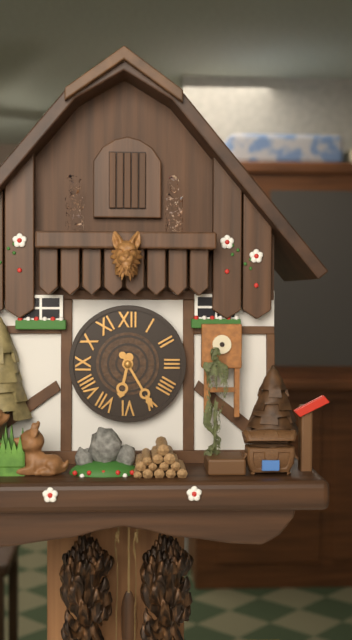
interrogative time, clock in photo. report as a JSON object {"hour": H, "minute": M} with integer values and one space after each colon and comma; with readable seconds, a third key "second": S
{"hour": 6, "minute": 25}
